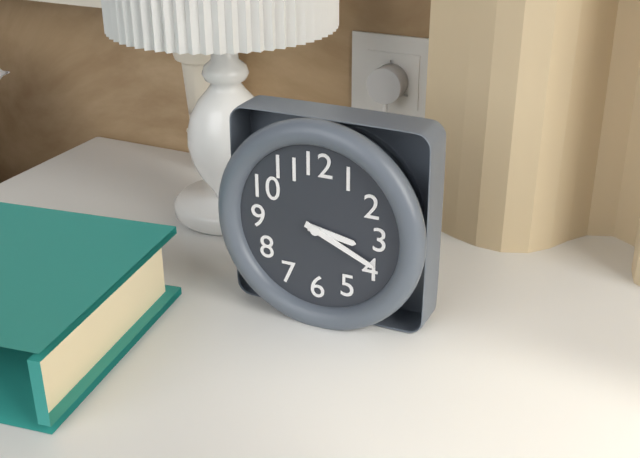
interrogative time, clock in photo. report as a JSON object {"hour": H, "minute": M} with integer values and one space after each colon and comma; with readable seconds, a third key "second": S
{"hour": 3, "minute": 19}
